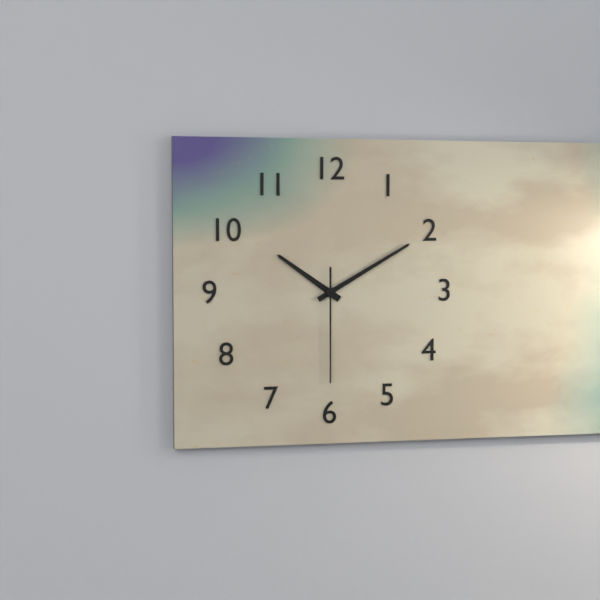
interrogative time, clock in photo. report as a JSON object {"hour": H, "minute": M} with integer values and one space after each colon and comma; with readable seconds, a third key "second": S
{"hour": 10, "minute": 10, "second": 30}
